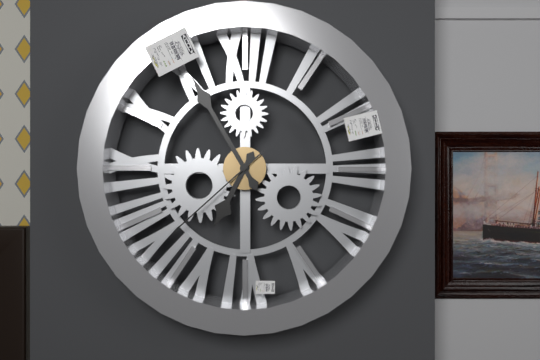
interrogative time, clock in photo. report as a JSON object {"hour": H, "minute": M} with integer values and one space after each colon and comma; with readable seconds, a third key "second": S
{"hour": 6, "minute": 55, "second": 38}
